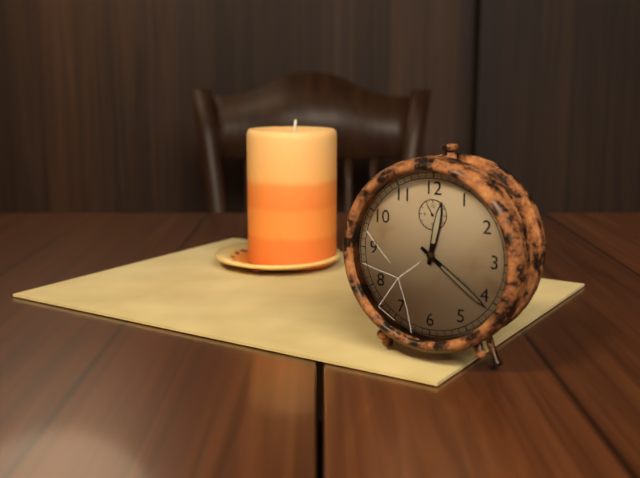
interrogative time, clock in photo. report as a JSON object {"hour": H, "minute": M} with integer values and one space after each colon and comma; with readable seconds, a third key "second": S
{"hour": 12, "minute": 21}
